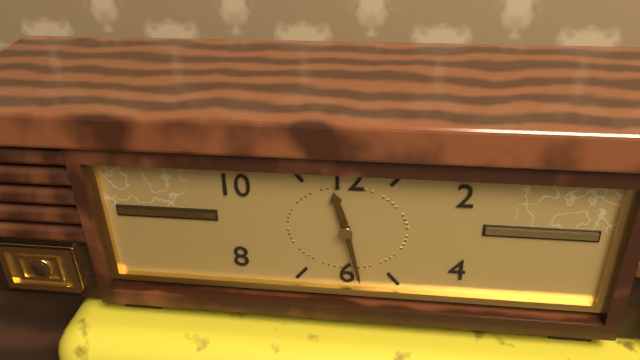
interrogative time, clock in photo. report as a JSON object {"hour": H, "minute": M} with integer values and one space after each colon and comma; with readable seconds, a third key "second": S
{"hour": 11, "minute": 28}
